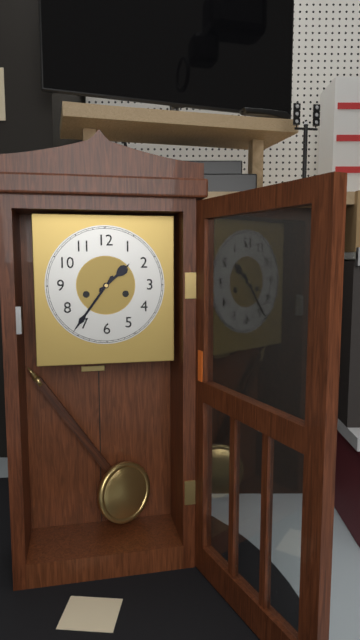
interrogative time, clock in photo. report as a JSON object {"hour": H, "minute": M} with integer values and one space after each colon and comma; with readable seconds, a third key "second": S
{"hour": 1, "minute": 36}
